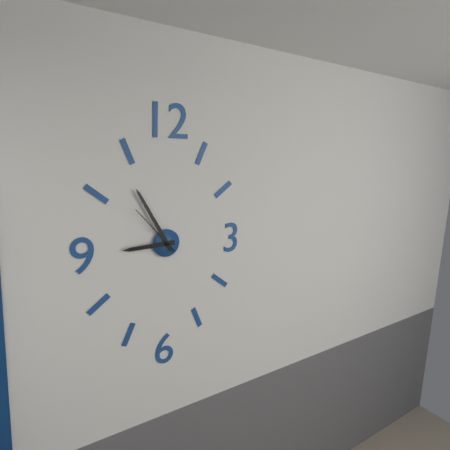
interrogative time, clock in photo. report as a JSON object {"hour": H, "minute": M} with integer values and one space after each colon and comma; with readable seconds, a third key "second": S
{"hour": 8, "minute": 55, "second": 53}
